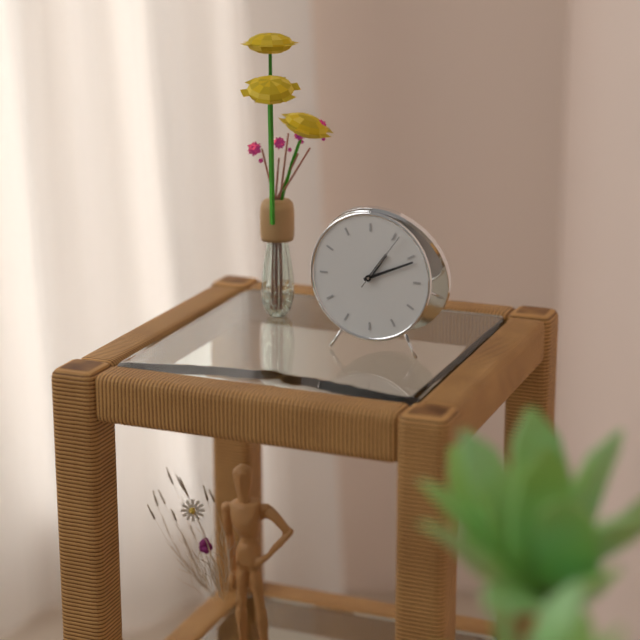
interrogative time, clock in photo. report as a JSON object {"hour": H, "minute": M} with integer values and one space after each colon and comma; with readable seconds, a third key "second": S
{"hour": 1, "minute": 11, "second": 6}
